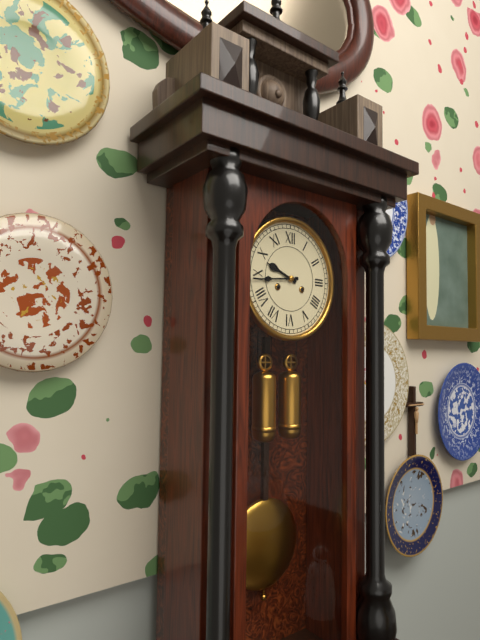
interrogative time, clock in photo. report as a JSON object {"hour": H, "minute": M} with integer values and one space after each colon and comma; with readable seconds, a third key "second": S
{"hour": 9, "minute": 44}
